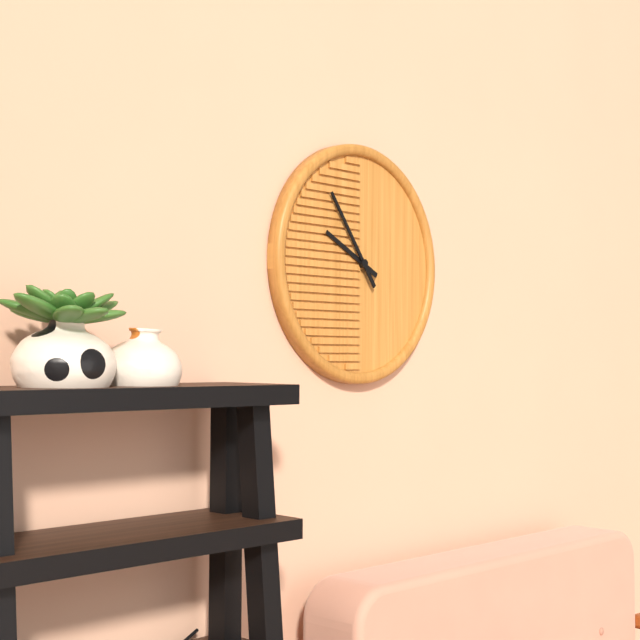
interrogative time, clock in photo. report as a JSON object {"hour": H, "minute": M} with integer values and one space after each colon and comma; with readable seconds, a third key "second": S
{"hour": 9, "minute": 54}
